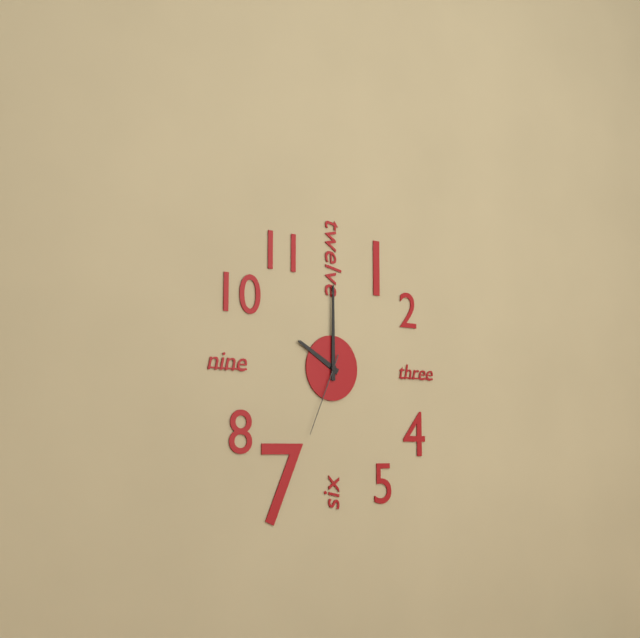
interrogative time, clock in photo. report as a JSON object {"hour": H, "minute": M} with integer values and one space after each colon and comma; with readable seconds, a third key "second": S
{"hour": 10, "minute": 0, "second": 34}
